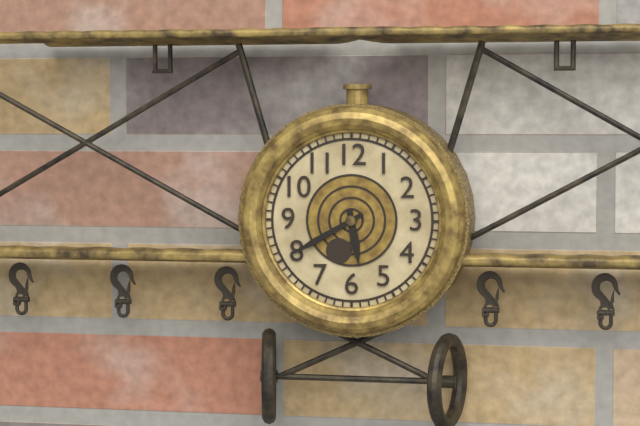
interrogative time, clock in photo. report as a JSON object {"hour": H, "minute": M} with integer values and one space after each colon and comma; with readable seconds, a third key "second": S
{"hour": 5, "minute": 40}
